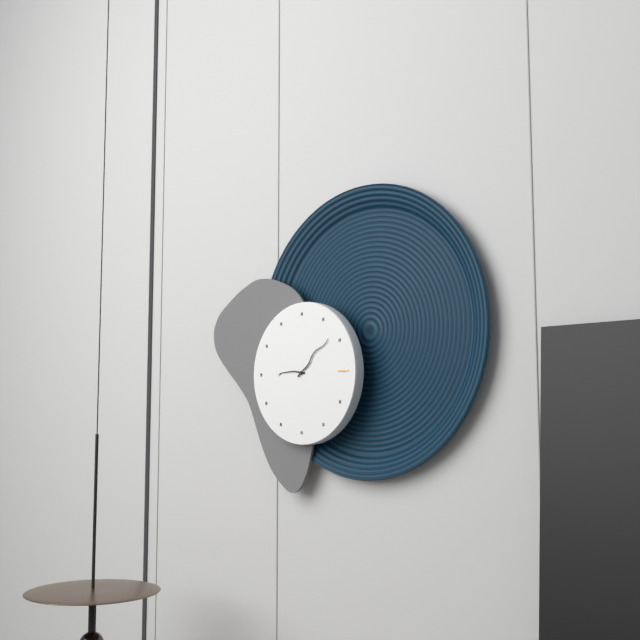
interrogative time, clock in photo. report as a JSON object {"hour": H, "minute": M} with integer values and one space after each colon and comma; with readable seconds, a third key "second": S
{"hour": 9, "minute": 8}
